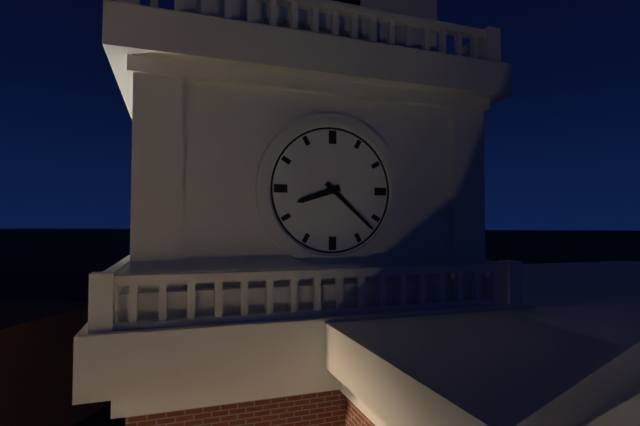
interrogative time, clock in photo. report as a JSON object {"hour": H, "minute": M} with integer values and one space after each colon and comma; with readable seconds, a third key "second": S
{"hour": 8, "minute": 22}
